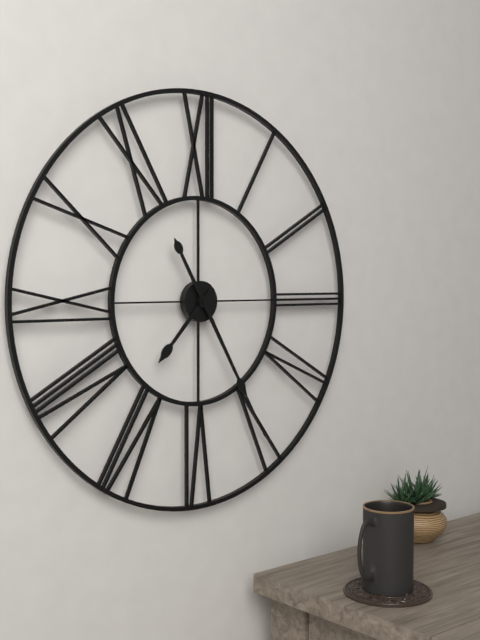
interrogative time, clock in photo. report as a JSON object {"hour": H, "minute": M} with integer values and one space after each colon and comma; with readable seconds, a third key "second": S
{"hour": 7, "minute": 25}
